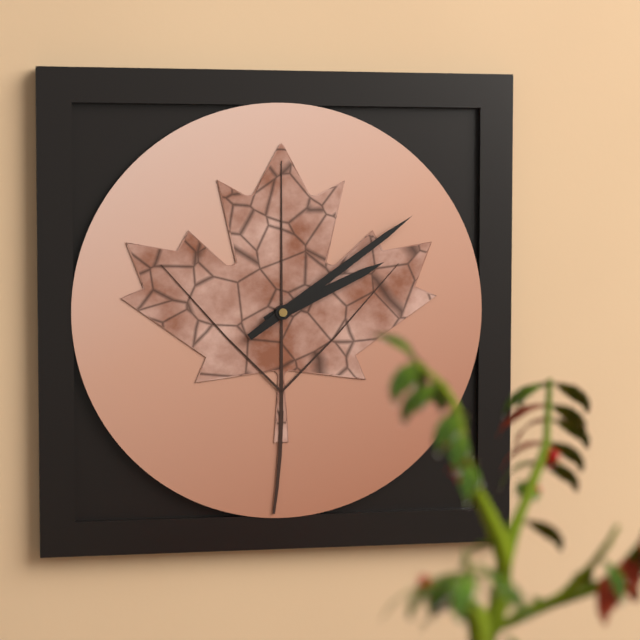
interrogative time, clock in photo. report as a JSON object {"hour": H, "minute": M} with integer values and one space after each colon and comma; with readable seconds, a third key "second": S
{"hour": 2, "minute": 9}
